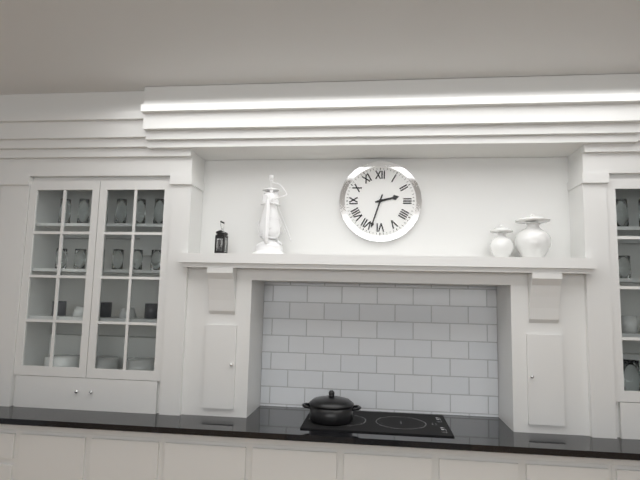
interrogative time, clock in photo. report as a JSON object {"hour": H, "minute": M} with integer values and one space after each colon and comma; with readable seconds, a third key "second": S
{"hour": 2, "minute": 33}
